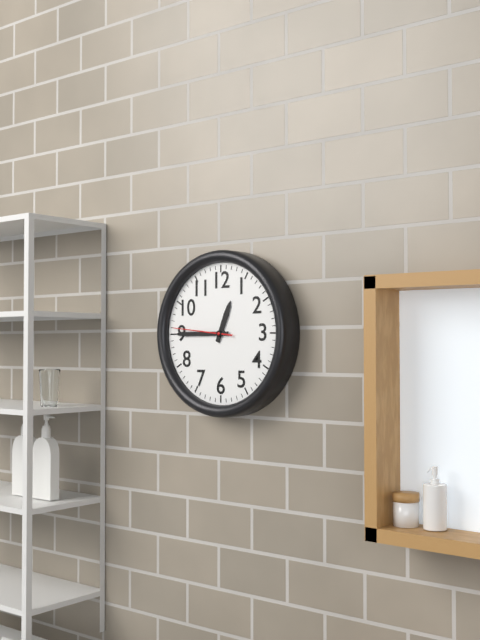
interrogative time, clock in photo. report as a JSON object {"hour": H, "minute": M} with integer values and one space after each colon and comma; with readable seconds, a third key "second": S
{"hour": 12, "minute": 45, "second": 46}
